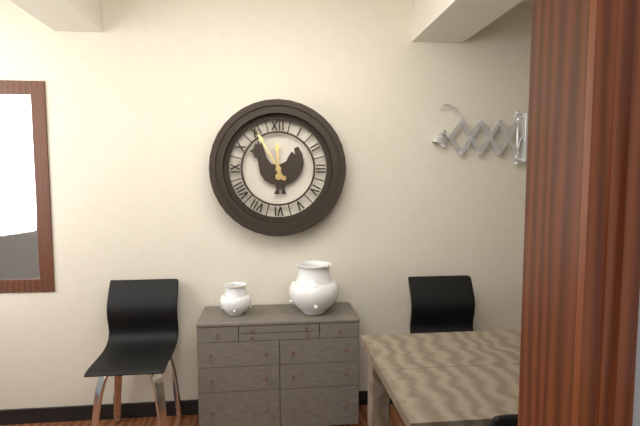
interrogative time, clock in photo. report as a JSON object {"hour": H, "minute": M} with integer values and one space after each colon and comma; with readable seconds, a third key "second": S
{"hour": 11, "minute": 55}
